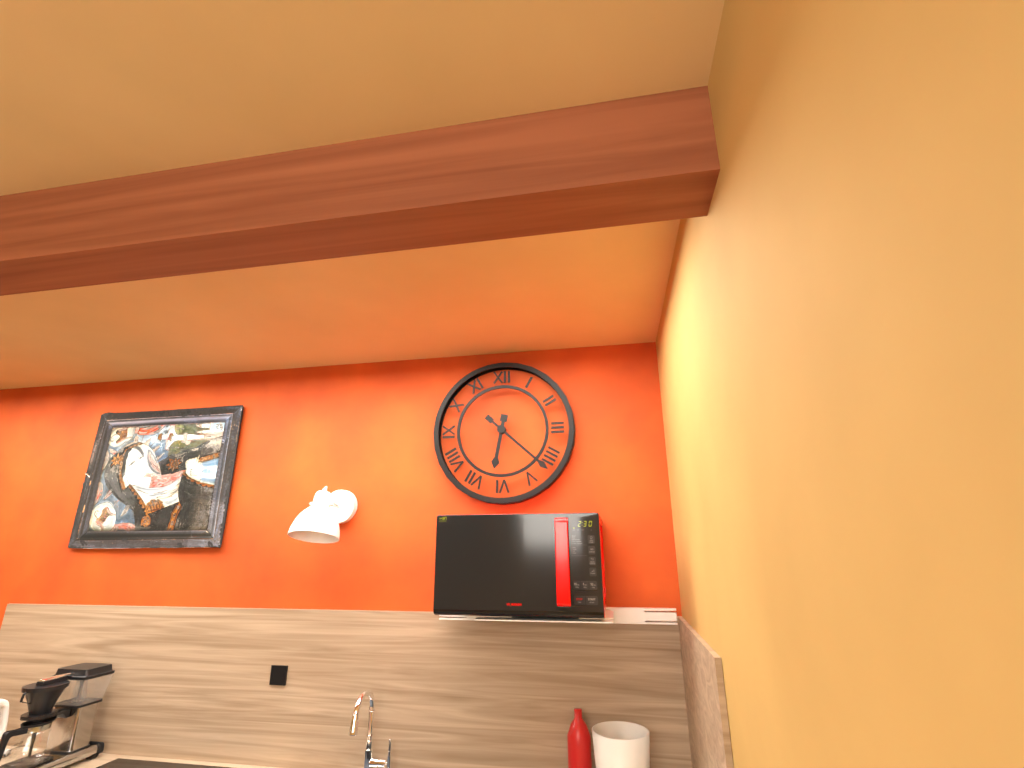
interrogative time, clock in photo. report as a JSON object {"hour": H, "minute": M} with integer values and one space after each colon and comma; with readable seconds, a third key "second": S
{"hour": 6, "minute": 22}
